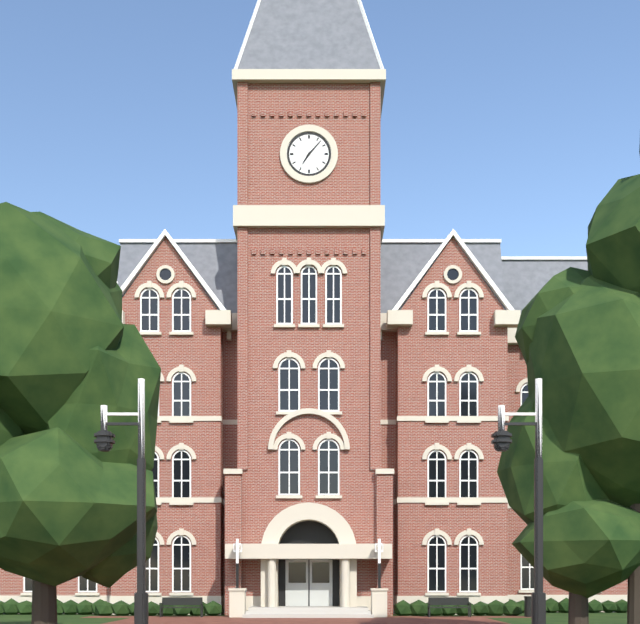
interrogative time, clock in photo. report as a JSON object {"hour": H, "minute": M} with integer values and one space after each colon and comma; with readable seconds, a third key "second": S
{"hour": 7, "minute": 7}
